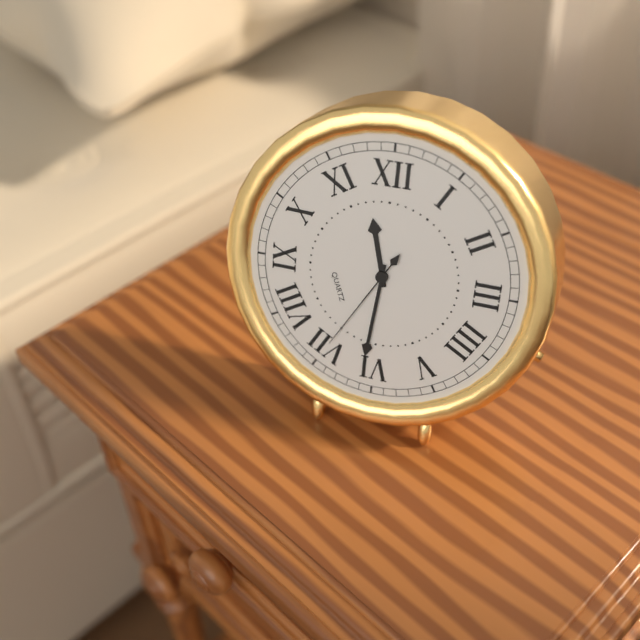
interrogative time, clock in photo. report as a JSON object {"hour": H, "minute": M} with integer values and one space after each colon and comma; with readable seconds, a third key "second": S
{"hour": 11, "minute": 31, "second": 35}
